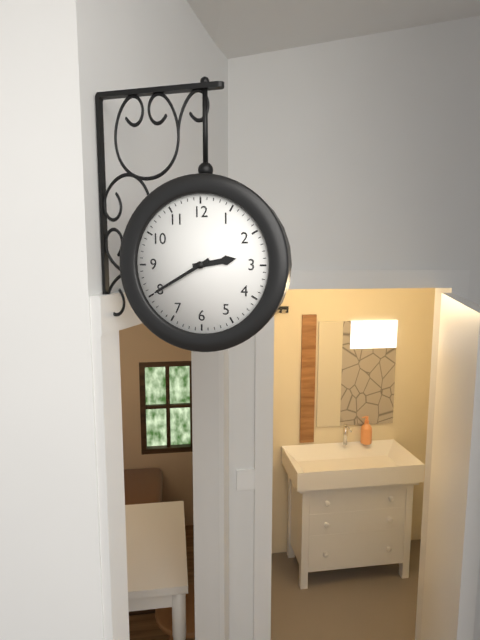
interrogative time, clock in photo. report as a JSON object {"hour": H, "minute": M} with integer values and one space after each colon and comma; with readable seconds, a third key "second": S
{"hour": 2, "minute": 40}
